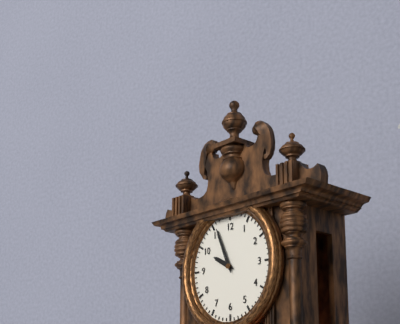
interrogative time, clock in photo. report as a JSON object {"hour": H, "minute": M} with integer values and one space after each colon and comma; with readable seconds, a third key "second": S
{"hour": 9, "minute": 56}
